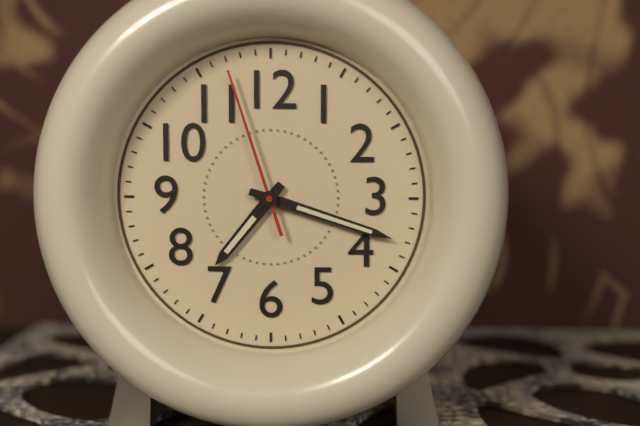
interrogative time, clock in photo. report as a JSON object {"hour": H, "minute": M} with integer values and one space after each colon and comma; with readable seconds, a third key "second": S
{"hour": 7, "minute": 18, "second": 57}
